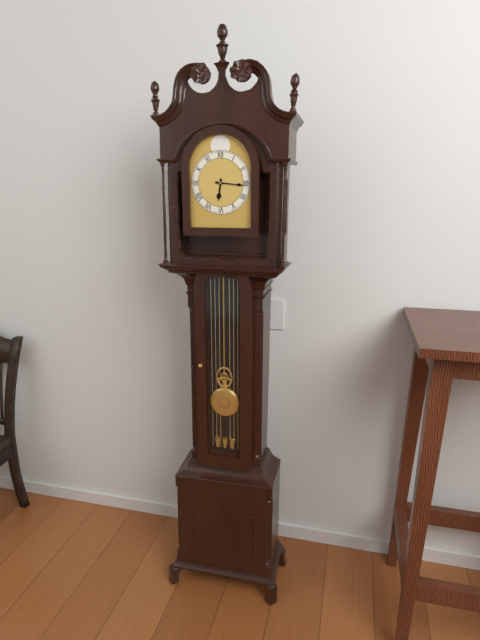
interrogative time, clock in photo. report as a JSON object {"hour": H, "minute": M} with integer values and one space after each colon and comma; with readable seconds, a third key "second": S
{"hour": 6, "minute": 16}
